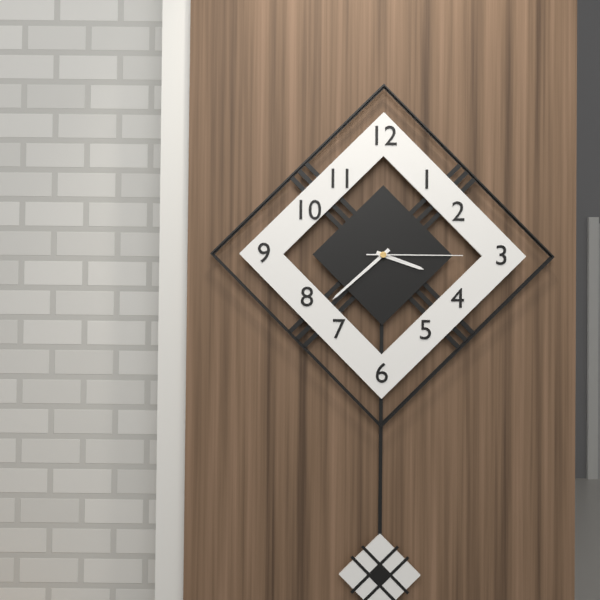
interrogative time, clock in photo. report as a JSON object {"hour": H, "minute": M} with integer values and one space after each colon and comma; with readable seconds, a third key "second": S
{"hour": 3, "minute": 38, "second": 15}
